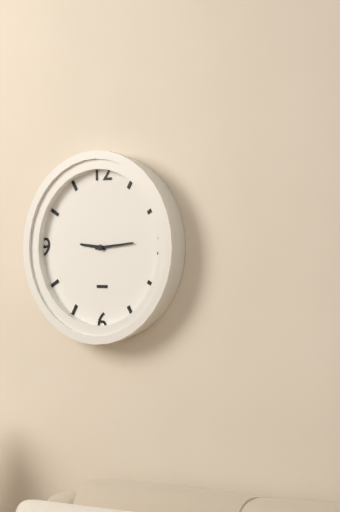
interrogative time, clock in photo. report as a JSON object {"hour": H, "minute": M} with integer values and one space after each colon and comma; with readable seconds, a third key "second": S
{"hour": 9, "minute": 14}
